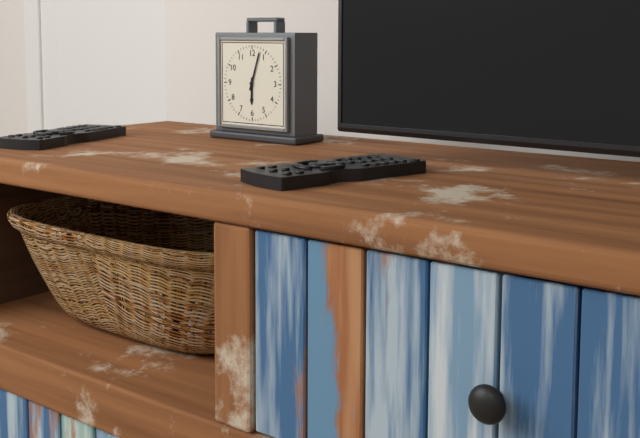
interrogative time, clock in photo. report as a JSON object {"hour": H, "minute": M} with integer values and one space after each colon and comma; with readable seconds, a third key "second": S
{"hour": 6, "minute": 3}
